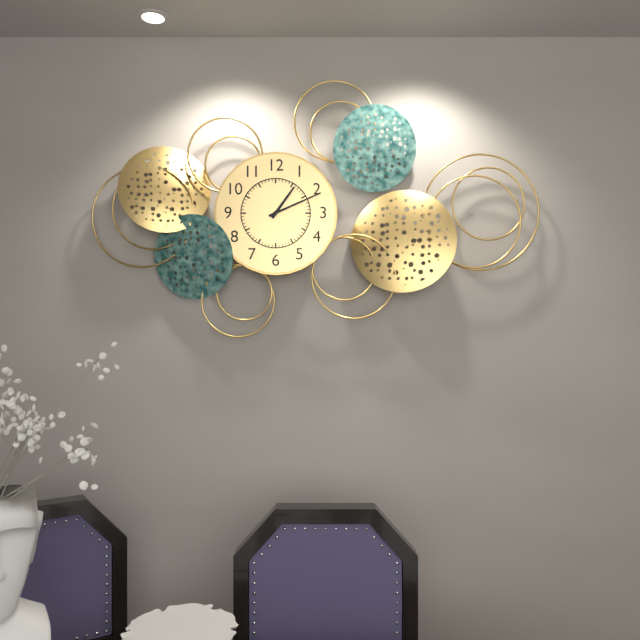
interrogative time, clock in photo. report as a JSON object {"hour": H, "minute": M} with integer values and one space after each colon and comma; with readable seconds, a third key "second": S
{"hour": 1, "minute": 11}
